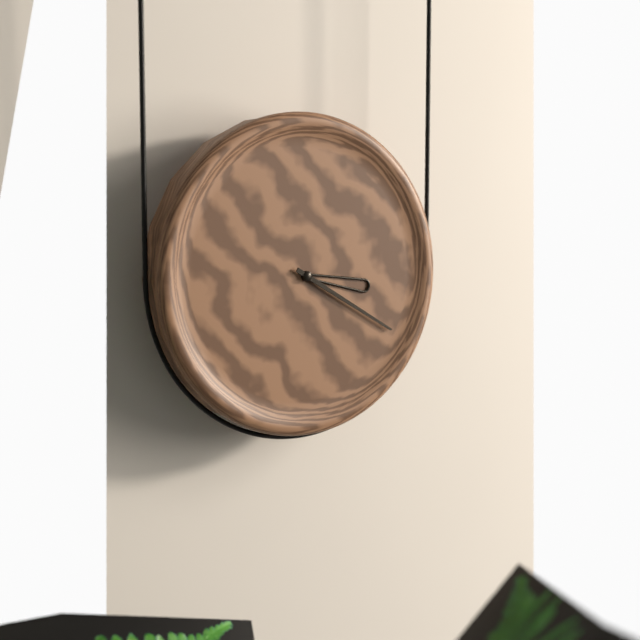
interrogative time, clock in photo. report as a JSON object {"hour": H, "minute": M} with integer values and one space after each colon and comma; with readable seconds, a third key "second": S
{"hour": 3, "minute": 20}
